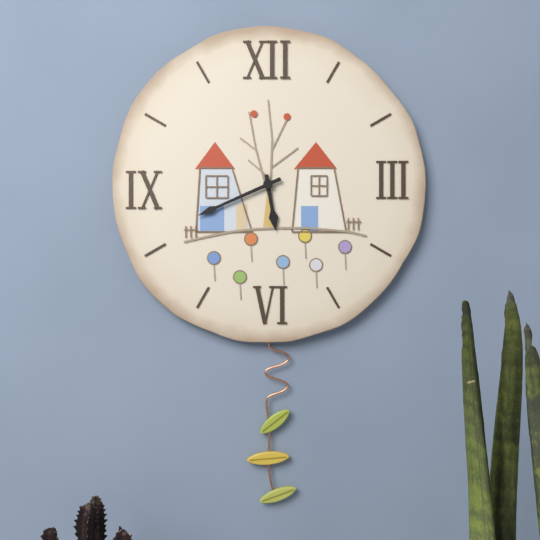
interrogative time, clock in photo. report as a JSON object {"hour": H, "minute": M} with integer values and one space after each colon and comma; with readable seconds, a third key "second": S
{"hour": 5, "minute": 41}
